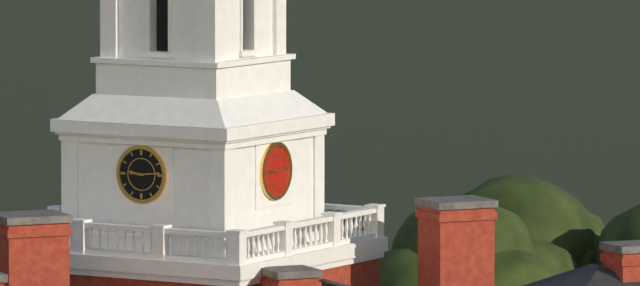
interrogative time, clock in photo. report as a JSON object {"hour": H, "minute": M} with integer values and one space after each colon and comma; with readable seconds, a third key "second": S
{"hour": 9, "minute": 14}
